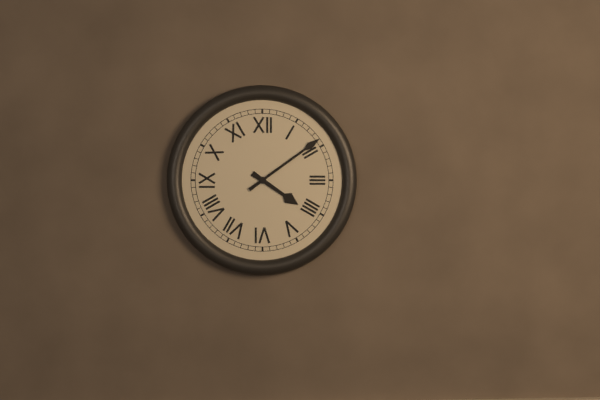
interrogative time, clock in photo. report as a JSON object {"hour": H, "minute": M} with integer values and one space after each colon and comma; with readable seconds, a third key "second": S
{"hour": 4, "minute": 9}
